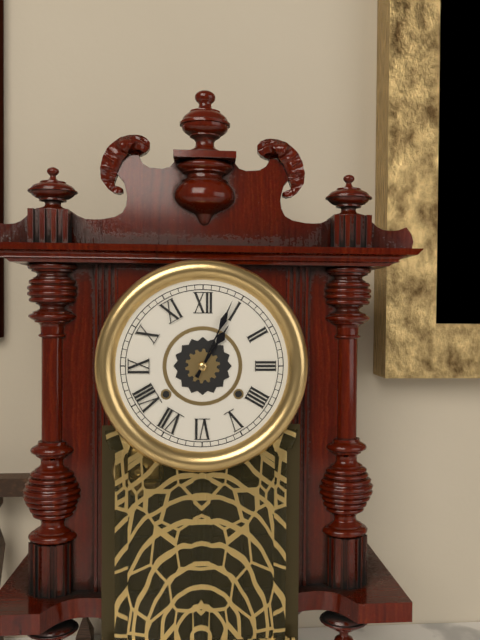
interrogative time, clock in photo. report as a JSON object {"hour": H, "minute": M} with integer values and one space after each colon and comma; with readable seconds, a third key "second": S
{"hour": 1, "minute": 4}
